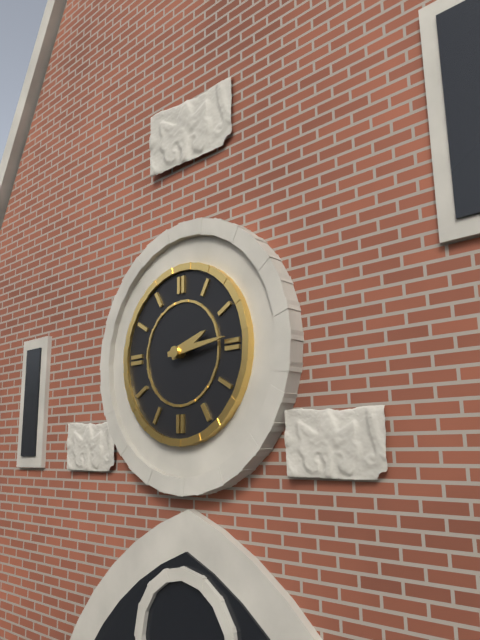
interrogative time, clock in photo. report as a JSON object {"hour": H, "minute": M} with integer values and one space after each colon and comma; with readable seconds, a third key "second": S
{"hour": 2, "minute": 14}
